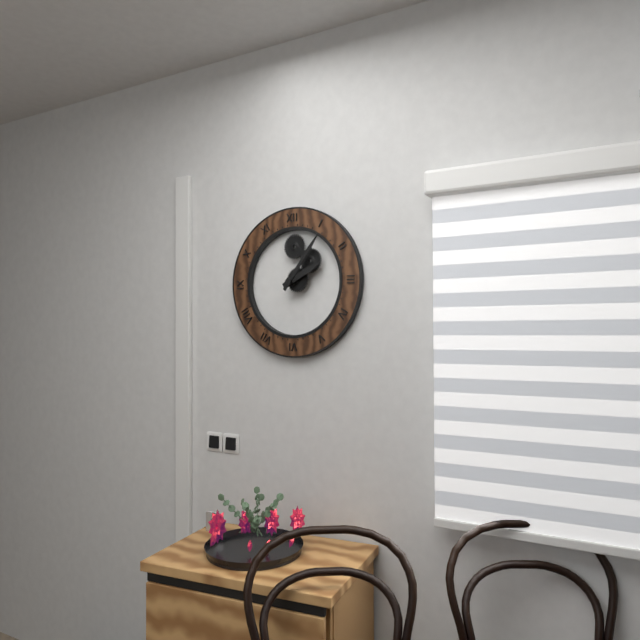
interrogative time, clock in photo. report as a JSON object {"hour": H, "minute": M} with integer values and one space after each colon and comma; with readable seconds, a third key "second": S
{"hour": 2, "minute": 6}
